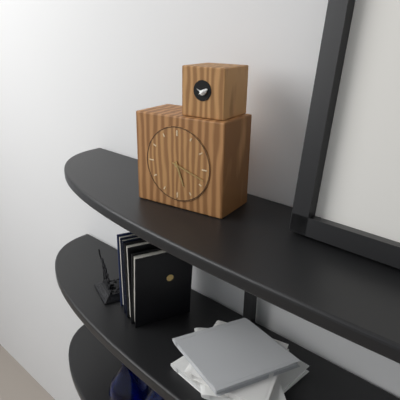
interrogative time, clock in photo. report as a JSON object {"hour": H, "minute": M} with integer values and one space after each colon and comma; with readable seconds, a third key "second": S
{"hour": 5, "minute": 18}
